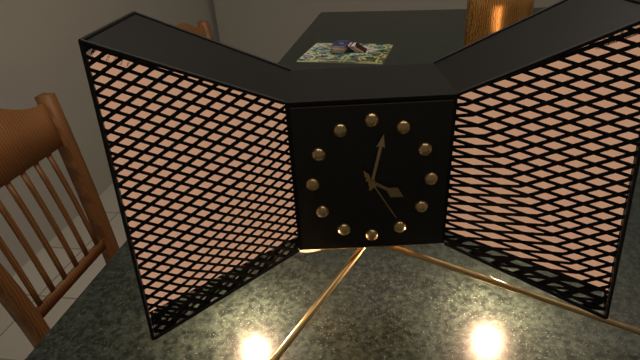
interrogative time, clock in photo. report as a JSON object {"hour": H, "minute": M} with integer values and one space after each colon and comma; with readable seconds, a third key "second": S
{"hour": 4, "minute": 2, "second": 25}
